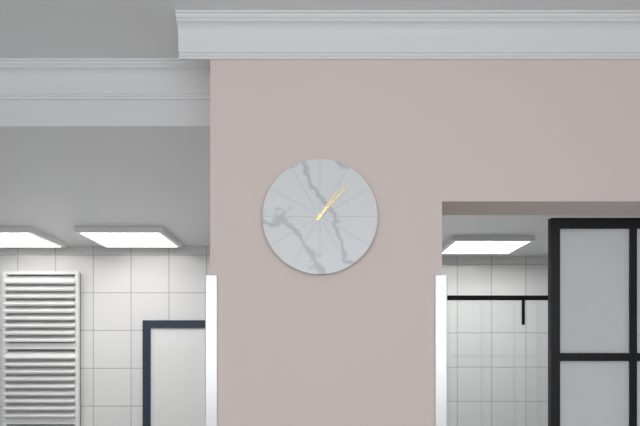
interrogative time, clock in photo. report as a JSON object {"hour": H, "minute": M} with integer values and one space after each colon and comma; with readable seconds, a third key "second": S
{"hour": 1, "minute": 7}
